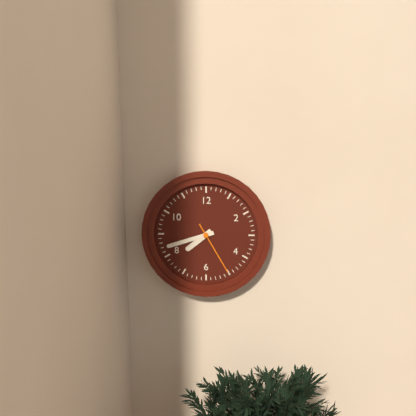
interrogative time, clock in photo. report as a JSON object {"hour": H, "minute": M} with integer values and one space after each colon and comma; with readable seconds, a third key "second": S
{"hour": 7, "minute": 42, "second": 25}
